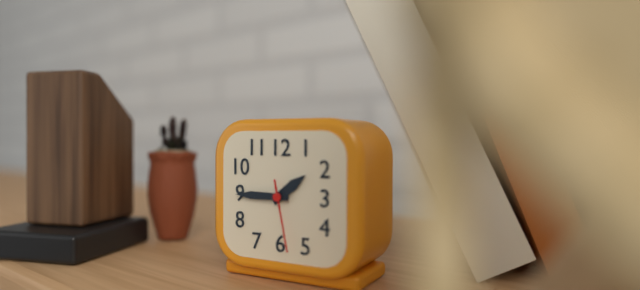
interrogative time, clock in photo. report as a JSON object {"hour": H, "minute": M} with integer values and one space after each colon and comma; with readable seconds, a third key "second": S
{"hour": 1, "minute": 45, "second": 28}
